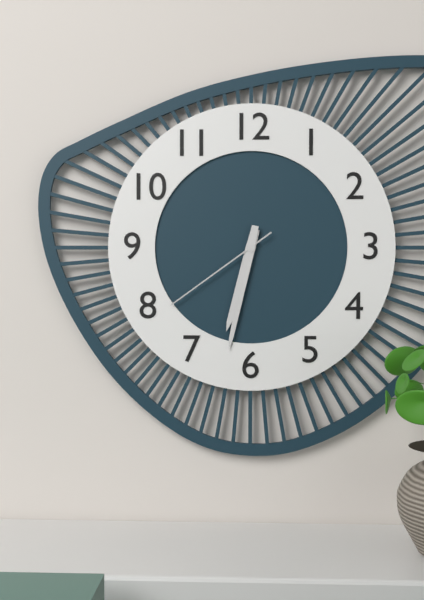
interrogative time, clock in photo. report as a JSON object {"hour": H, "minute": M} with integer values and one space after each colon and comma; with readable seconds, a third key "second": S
{"hour": 6, "minute": 32, "second": 39}
